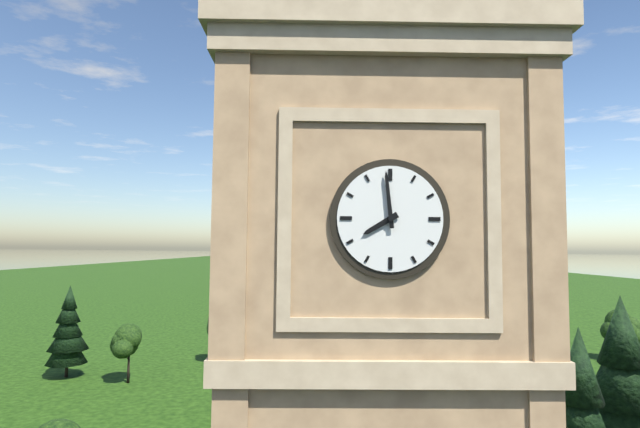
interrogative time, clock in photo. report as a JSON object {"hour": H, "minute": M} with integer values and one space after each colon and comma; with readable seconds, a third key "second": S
{"hour": 7, "minute": 59}
